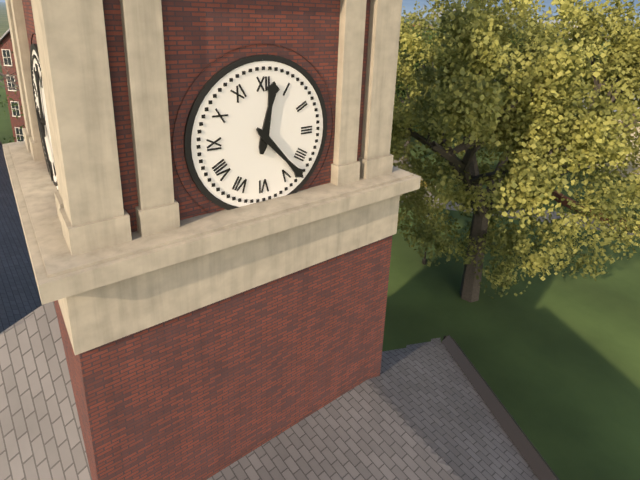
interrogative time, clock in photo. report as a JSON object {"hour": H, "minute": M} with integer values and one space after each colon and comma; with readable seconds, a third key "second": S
{"hour": 12, "minute": 23}
